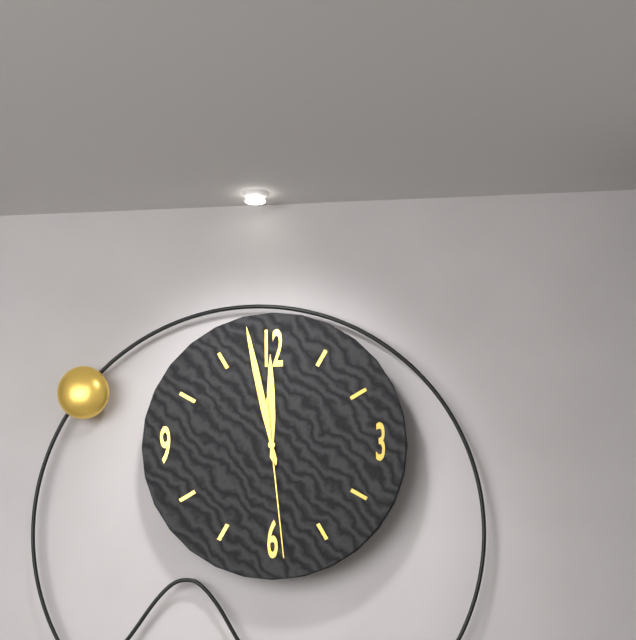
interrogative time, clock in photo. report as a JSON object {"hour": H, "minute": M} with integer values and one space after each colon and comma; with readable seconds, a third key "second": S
{"hour": 11, "minute": 58, "second": 29}
